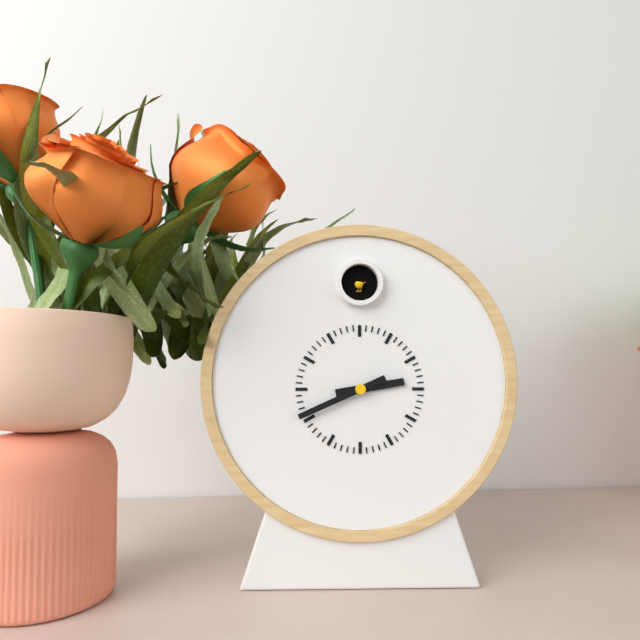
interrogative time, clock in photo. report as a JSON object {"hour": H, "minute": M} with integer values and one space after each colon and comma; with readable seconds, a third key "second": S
{"hour": 2, "minute": 41}
